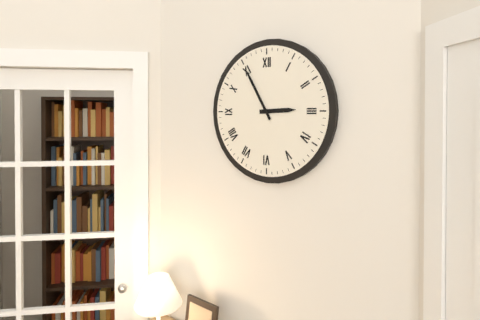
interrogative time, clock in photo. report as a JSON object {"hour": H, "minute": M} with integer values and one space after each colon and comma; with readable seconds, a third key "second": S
{"hour": 2, "minute": 55}
